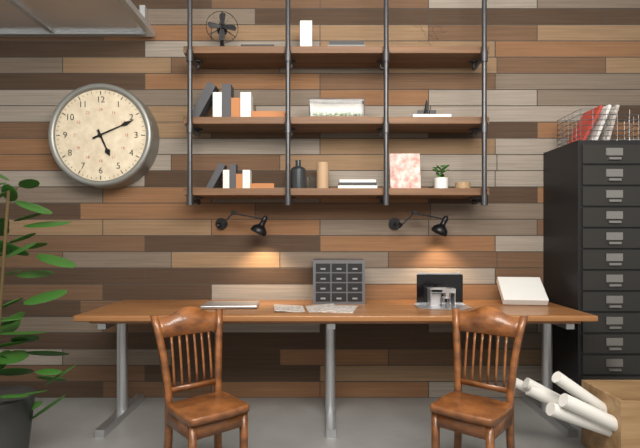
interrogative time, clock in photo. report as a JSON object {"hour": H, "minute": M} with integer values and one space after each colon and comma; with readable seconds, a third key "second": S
{"hour": 5, "minute": 11}
